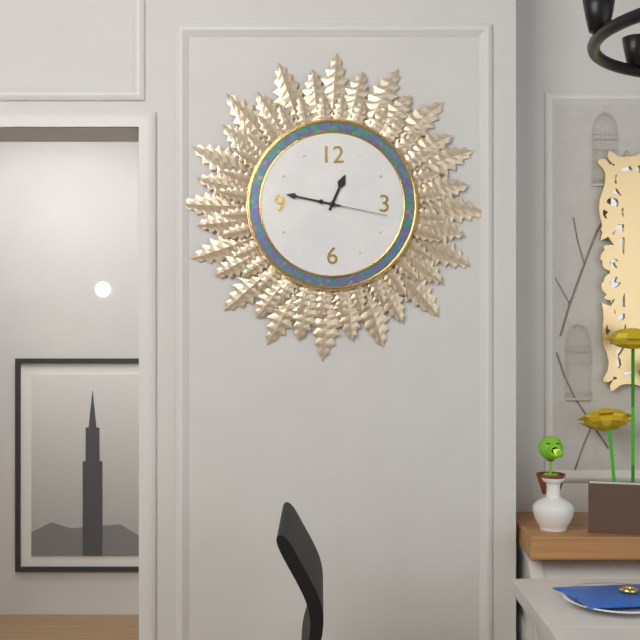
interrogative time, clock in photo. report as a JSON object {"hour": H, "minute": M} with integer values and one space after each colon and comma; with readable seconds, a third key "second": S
{"hour": 12, "minute": 47, "second": 17}
